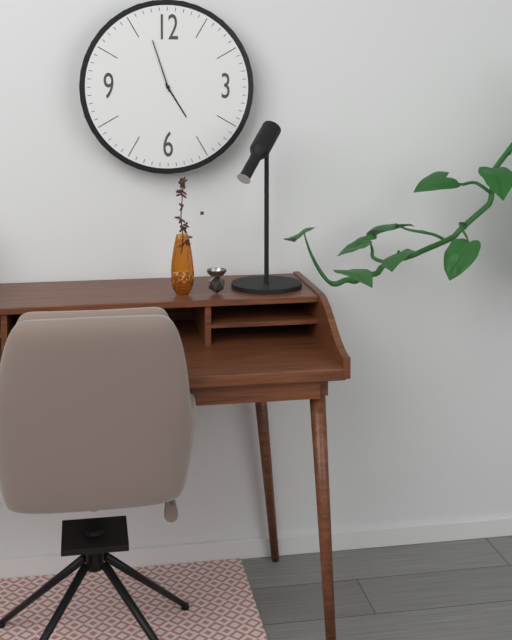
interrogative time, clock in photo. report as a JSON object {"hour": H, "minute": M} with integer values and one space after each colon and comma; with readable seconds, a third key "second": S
{"hour": 4, "minute": 57}
